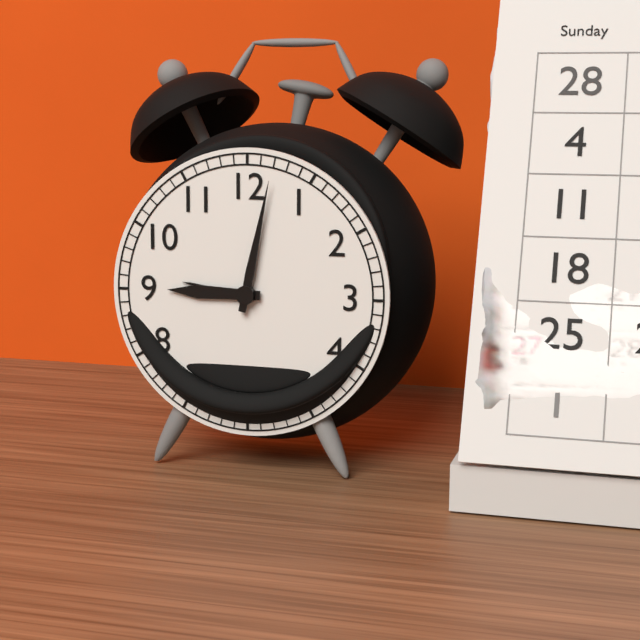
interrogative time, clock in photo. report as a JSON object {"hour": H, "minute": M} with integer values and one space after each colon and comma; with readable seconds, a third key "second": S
{"hour": 9, "minute": 2}
